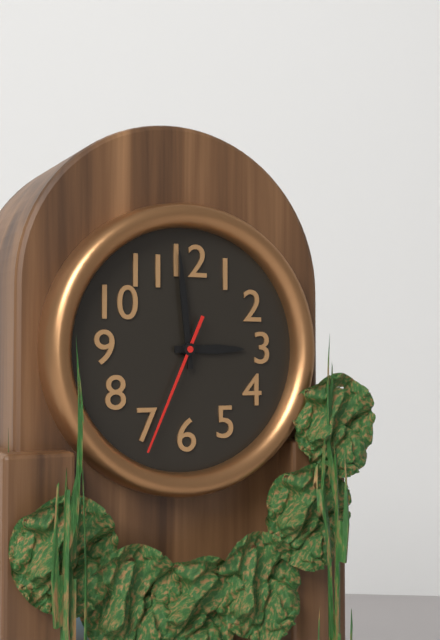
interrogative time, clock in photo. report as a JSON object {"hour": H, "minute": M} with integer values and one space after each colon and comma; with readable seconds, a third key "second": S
{"hour": 2, "minute": 59, "second": 34}
